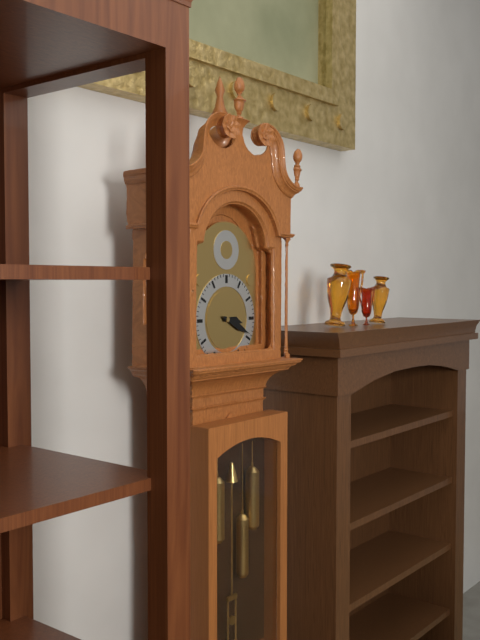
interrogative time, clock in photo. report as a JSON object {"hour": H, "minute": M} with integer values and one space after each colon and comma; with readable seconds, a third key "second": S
{"hour": 3, "minute": 19}
